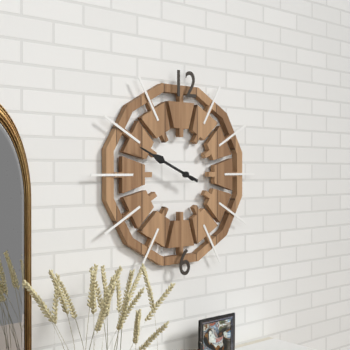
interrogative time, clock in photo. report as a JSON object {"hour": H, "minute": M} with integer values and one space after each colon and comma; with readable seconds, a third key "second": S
{"hour": 9, "minute": 49}
